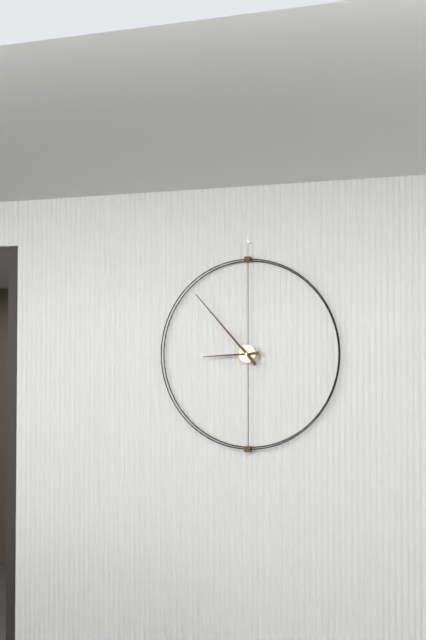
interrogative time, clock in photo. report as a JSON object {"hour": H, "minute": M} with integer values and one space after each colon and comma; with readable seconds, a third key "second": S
{"hour": 8, "minute": 53}
